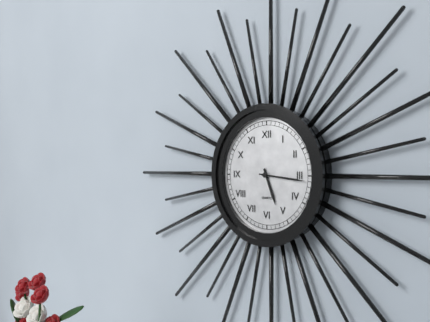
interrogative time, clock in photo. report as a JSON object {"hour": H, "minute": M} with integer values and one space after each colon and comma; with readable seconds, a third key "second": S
{"hour": 5, "minute": 16}
